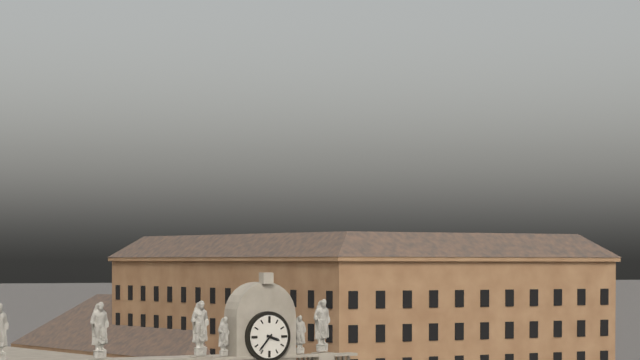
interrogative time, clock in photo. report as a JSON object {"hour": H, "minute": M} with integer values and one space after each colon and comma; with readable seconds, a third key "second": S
{"hour": 3, "minute": 37}
